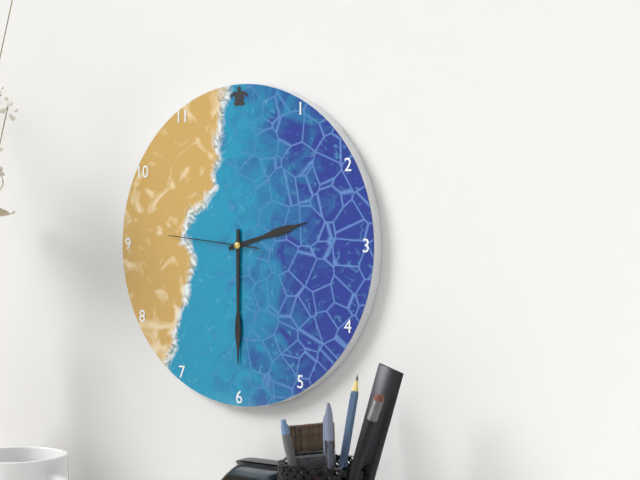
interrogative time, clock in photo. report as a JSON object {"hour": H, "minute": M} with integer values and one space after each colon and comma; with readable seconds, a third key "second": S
{"hour": 2, "minute": 30, "second": 46}
